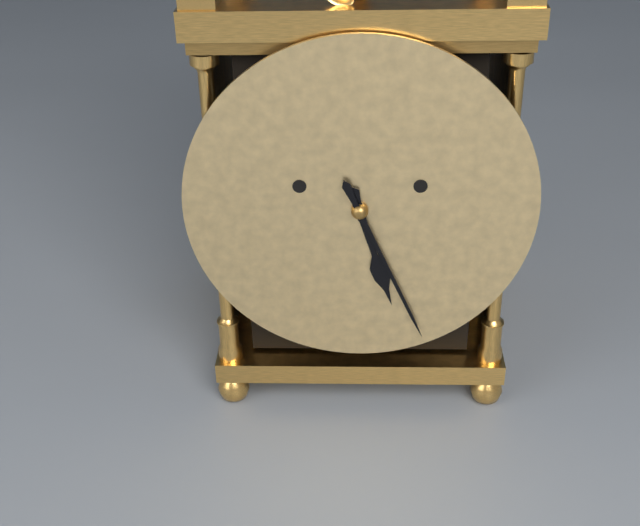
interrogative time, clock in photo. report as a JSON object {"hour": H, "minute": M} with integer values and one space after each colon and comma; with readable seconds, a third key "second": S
{"hour": 5, "minute": 26}
